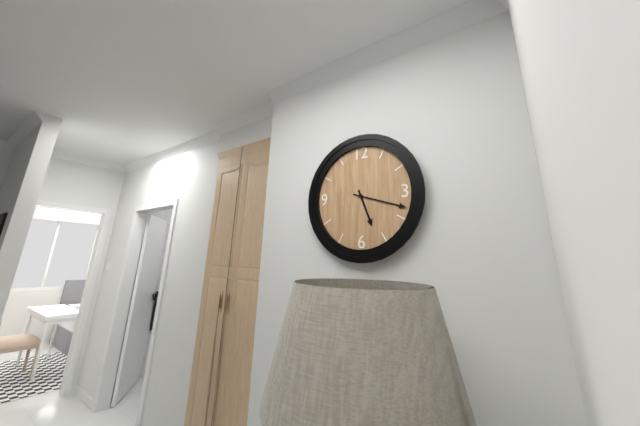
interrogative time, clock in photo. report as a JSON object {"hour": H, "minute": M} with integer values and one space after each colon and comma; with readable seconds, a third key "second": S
{"hour": 5, "minute": 18}
